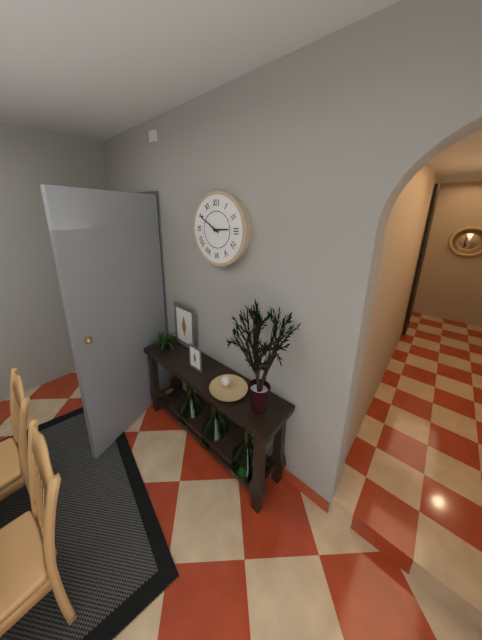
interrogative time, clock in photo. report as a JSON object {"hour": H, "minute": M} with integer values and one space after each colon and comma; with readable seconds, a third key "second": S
{"hour": 2, "minute": 50}
